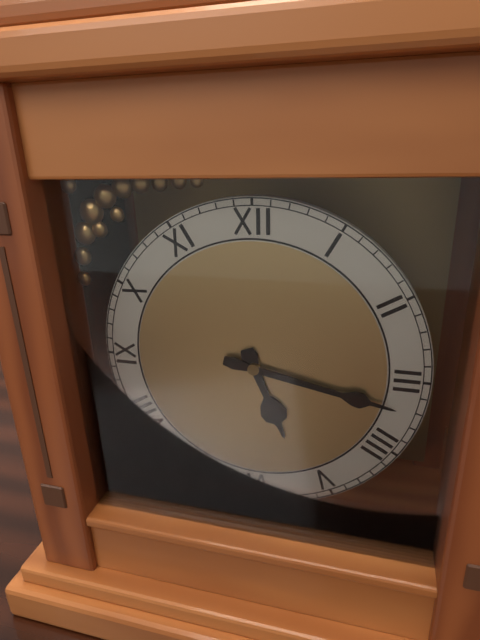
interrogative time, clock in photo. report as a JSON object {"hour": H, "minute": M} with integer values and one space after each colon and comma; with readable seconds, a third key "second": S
{"hour": 5, "minute": 17}
